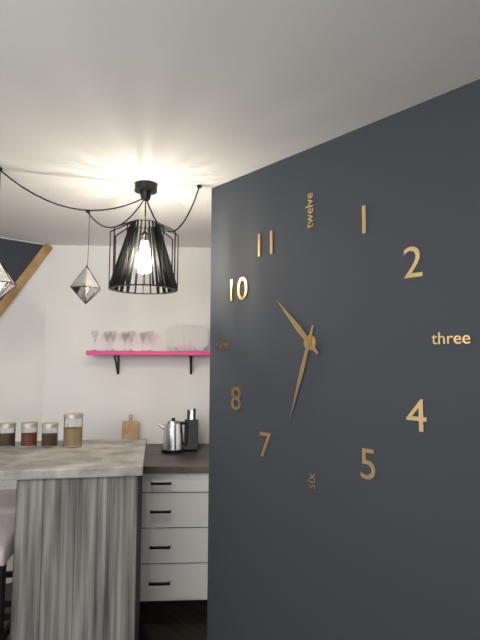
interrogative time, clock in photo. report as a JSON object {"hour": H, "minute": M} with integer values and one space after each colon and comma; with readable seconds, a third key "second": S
{"hour": 10, "minute": 33}
